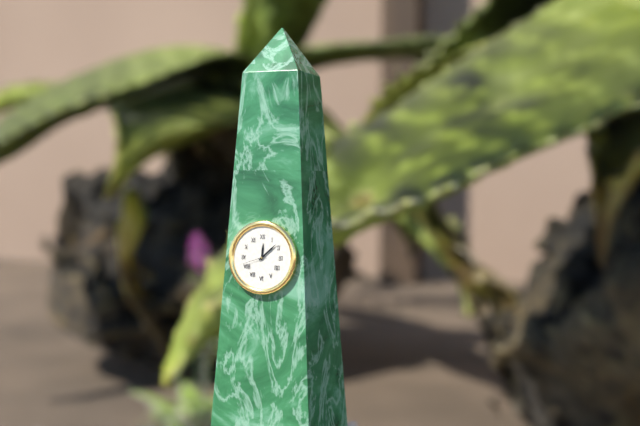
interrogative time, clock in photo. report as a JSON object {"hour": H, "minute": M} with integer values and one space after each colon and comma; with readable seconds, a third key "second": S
{"hour": 12, "minute": 8}
